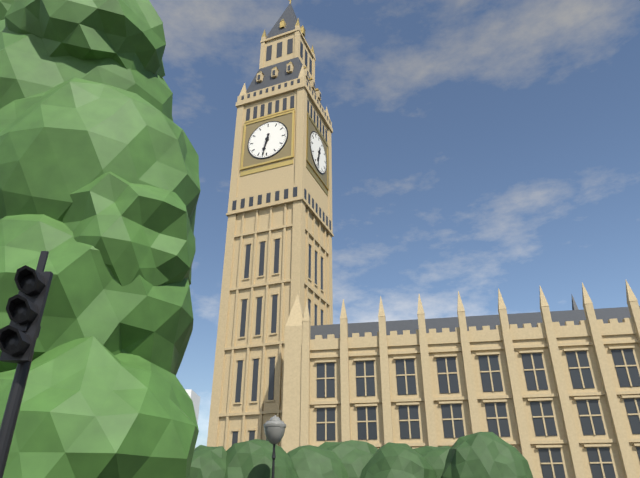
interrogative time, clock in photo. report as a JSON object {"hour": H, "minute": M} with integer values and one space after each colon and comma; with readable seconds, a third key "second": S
{"hour": 6, "minute": 32}
